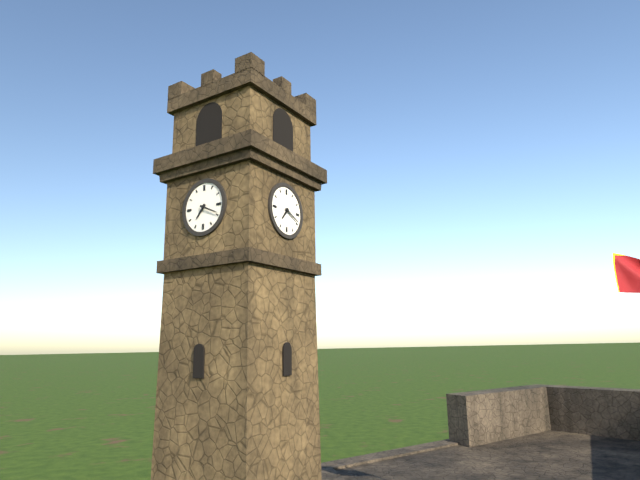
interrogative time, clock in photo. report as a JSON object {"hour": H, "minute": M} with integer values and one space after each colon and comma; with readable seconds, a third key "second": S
{"hour": 7, "minute": 19}
